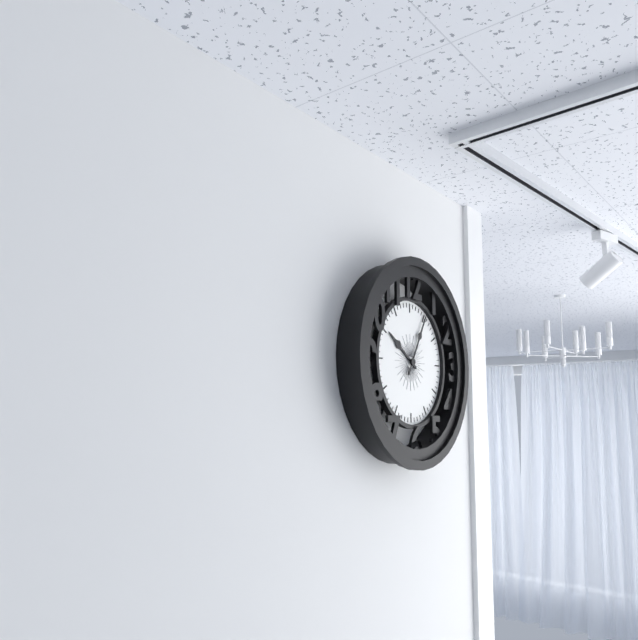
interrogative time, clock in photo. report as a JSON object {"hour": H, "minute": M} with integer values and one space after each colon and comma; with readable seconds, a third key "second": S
{"hour": 10, "minute": 5}
